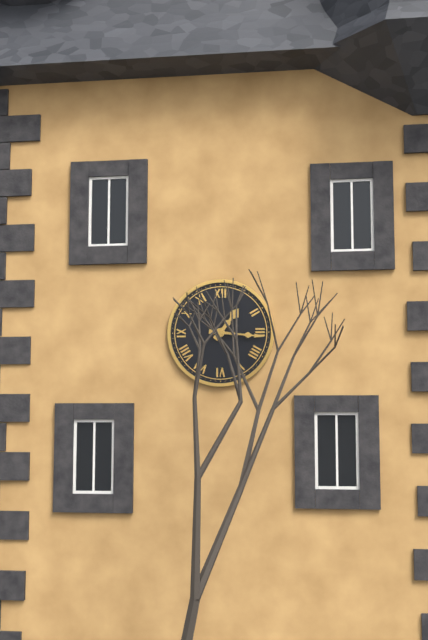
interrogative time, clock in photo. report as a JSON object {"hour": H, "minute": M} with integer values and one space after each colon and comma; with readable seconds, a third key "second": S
{"hour": 1, "minute": 16}
